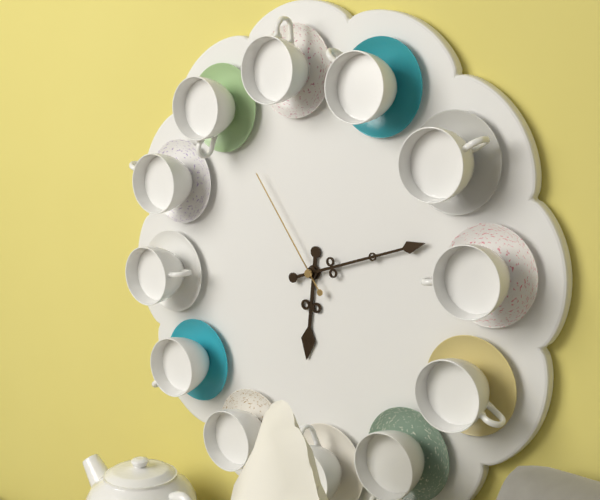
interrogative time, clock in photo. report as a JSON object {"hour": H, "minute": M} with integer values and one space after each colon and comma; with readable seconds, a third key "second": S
{"hour": 6, "minute": 12, "second": 54}
